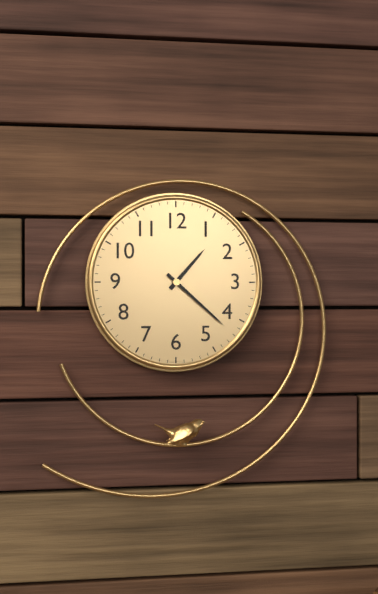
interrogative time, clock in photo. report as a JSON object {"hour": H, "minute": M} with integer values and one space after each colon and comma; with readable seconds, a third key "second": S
{"hour": 1, "minute": 22}
